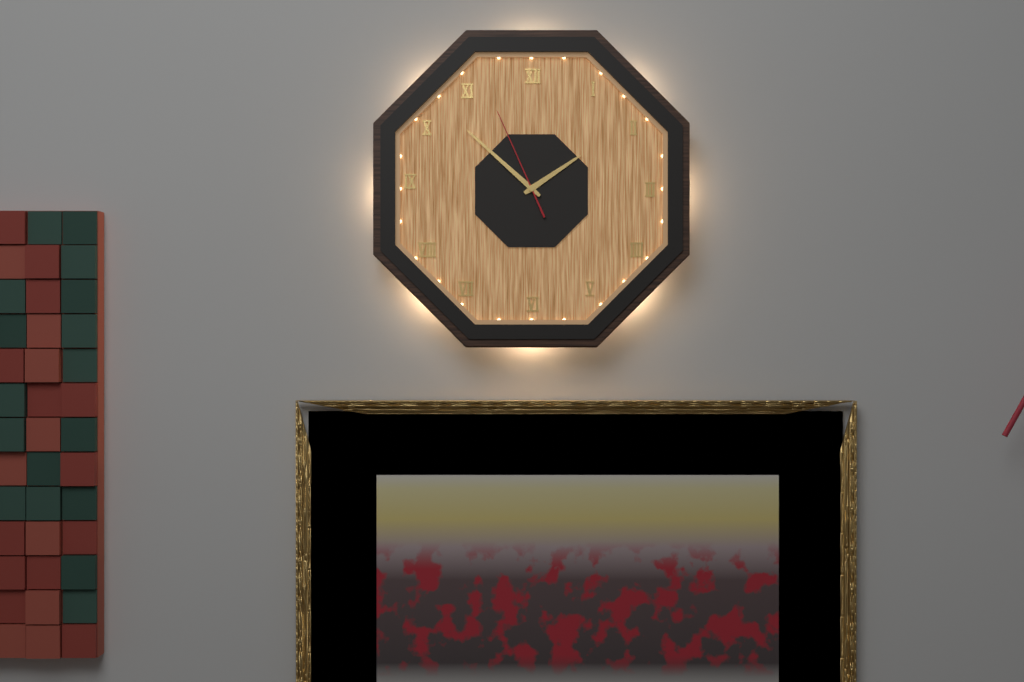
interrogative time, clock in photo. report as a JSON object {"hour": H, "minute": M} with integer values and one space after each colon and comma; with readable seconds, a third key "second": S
{"hour": 1, "minute": 52, "second": 56}
